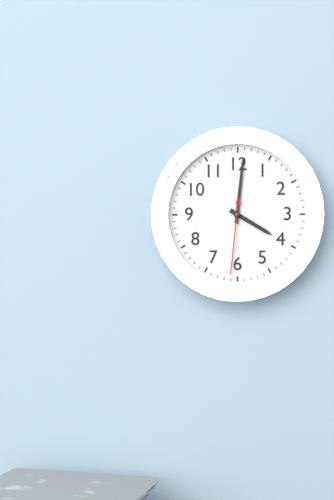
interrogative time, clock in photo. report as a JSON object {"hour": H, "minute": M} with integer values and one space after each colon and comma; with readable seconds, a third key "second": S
{"hour": 4, "minute": 1, "second": 31}
